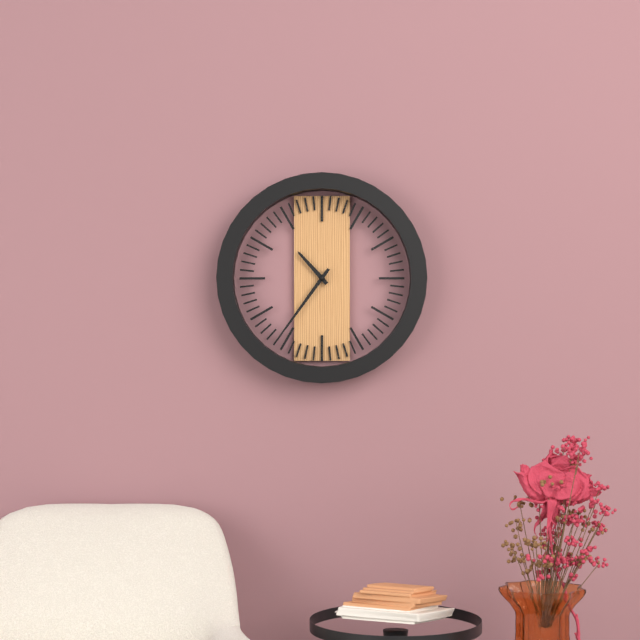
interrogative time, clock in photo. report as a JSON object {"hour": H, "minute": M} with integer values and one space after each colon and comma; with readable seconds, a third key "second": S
{"hour": 10, "minute": 36}
